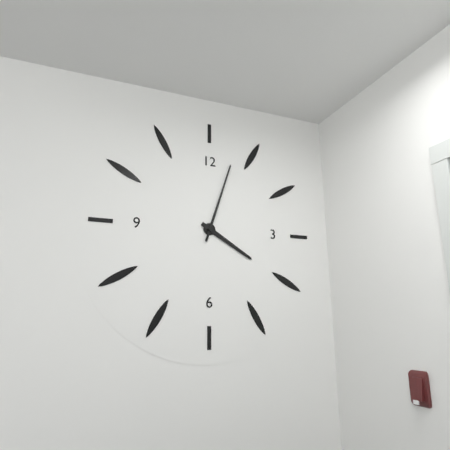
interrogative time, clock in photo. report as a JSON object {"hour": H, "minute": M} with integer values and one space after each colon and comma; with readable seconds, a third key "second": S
{"hour": 4, "minute": 3}
